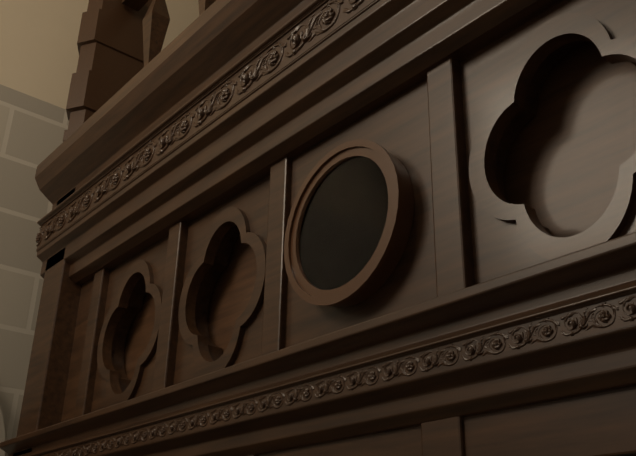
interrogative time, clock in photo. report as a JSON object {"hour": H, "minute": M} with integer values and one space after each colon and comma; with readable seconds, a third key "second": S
{"hour": 1, "minute": 43}
